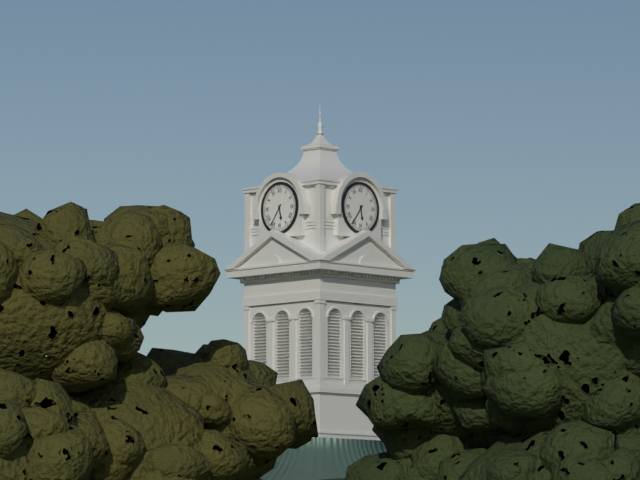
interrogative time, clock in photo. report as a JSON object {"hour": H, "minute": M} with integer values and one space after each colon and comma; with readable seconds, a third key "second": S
{"hour": 5, "minute": 36}
